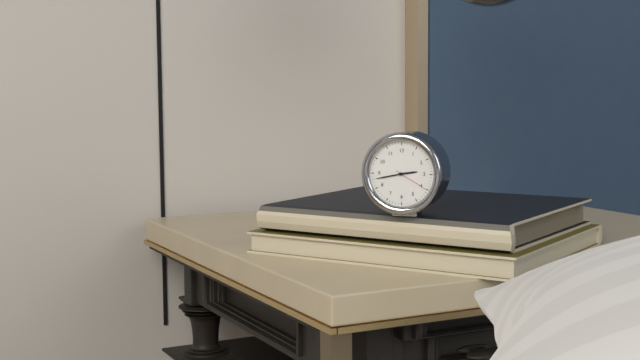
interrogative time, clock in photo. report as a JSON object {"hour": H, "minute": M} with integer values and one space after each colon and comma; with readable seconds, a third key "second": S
{"hour": 2, "minute": 43}
